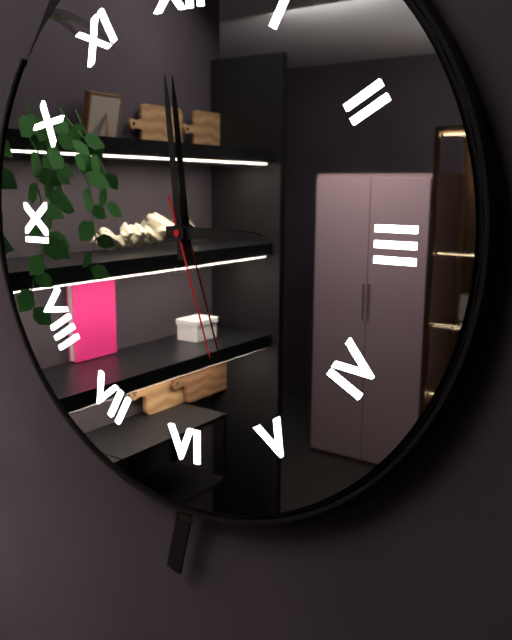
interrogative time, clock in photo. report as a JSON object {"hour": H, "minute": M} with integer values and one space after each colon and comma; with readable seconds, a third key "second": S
{"hour": 2, "minute": 59, "second": 27}
